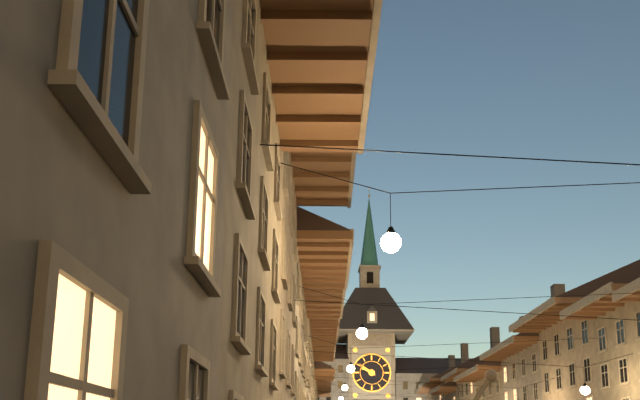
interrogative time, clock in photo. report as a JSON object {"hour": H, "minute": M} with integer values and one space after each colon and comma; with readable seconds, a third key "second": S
{"hour": 9, "minute": 51}
